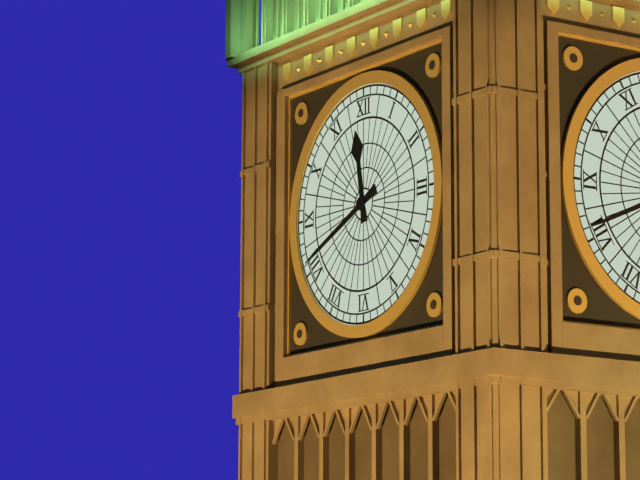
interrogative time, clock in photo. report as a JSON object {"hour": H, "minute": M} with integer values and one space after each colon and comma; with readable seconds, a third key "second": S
{"hour": 11, "minute": 41}
